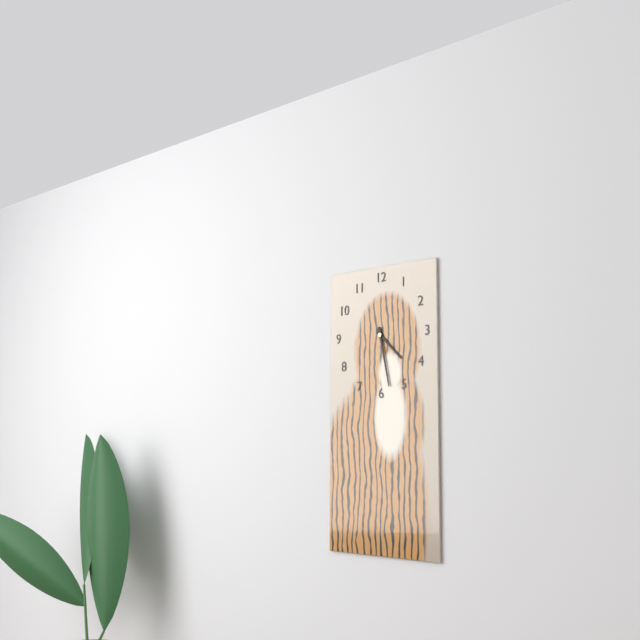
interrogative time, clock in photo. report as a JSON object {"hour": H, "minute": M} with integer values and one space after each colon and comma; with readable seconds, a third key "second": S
{"hour": 4, "minute": 28}
